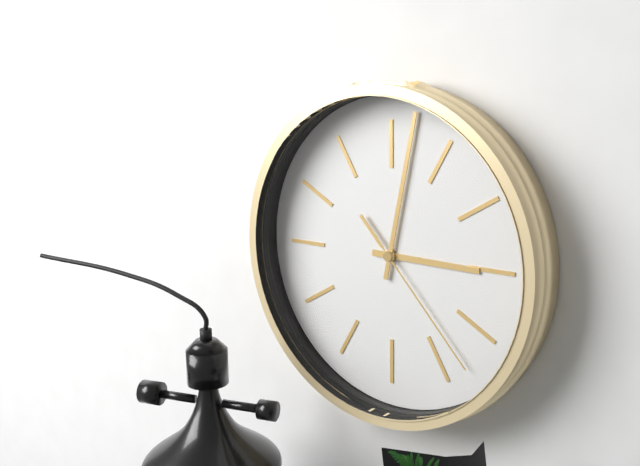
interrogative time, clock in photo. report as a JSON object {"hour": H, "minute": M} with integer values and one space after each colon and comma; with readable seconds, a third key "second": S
{"hour": 3, "minute": 2, "second": 23}
